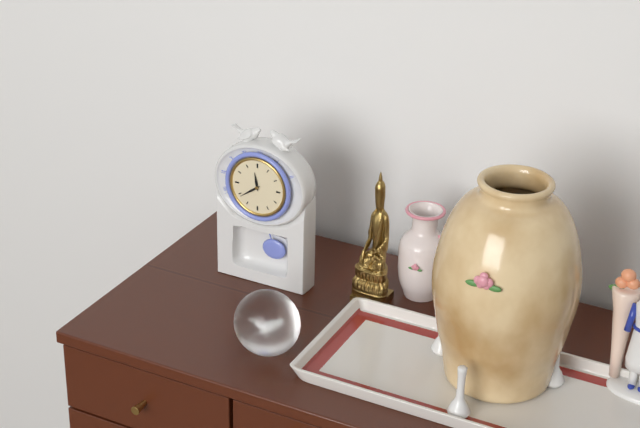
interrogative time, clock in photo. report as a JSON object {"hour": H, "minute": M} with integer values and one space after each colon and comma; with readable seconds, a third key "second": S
{"hour": 11, "minute": 39}
